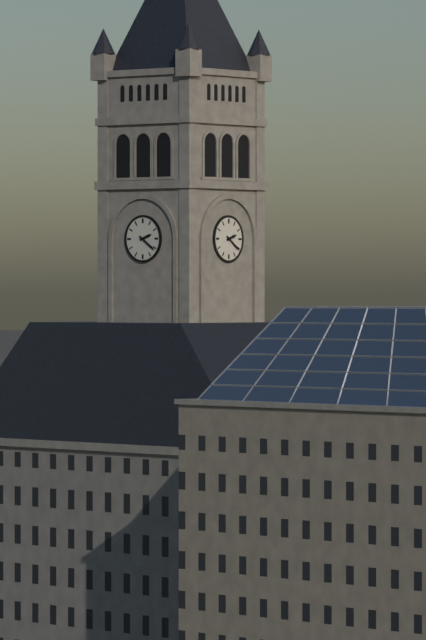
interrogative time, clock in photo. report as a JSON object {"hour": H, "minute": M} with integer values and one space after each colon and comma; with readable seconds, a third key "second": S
{"hour": 2, "minute": 21}
